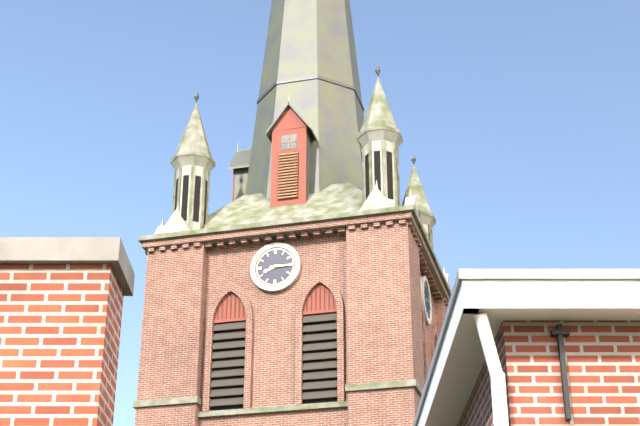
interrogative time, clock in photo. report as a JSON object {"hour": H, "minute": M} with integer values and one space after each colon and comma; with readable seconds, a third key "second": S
{"hour": 8, "minute": 15}
